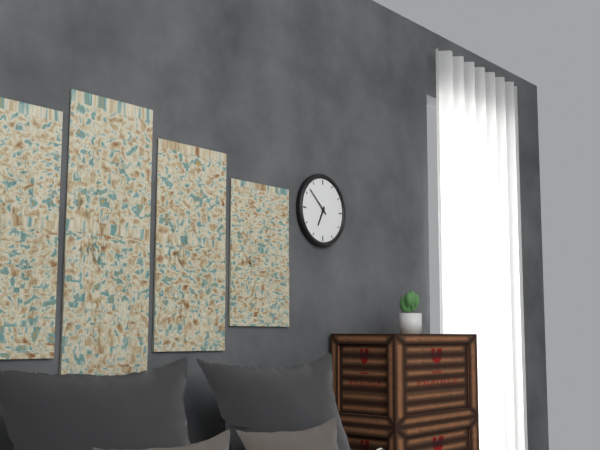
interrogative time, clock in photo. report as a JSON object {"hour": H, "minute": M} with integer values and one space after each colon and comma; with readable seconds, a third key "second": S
{"hour": 6, "minute": 52}
